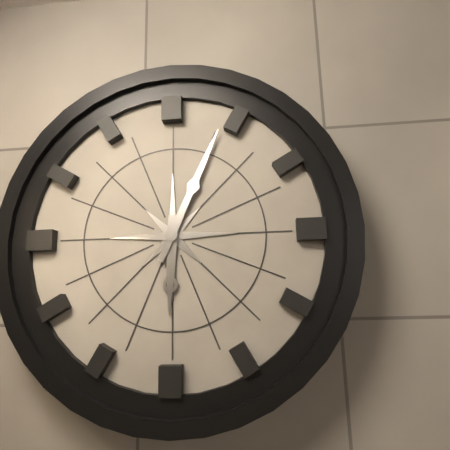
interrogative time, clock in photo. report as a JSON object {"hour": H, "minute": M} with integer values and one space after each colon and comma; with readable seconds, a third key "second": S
{"hour": 6, "minute": 4}
